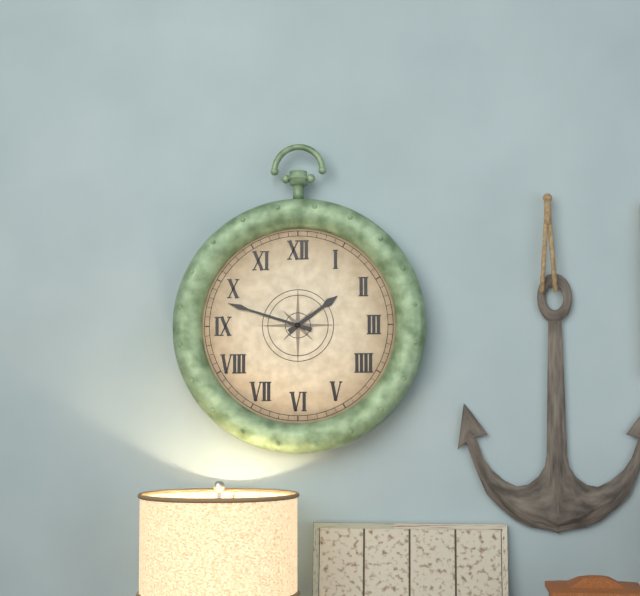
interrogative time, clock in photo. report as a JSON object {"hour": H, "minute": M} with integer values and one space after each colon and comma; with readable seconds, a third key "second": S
{"hour": 1, "minute": 48}
